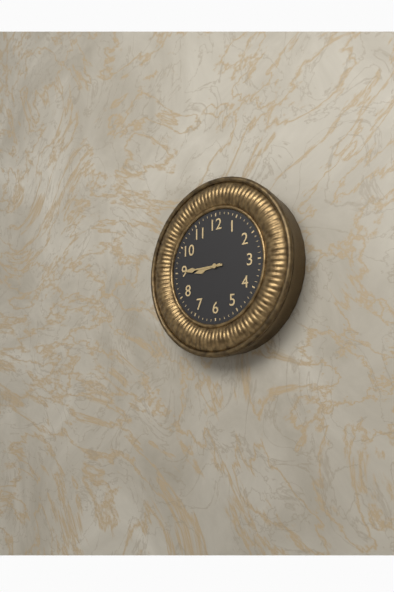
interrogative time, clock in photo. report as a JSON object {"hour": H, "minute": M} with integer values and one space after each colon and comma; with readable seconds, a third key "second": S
{"hour": 8, "minute": 45}
